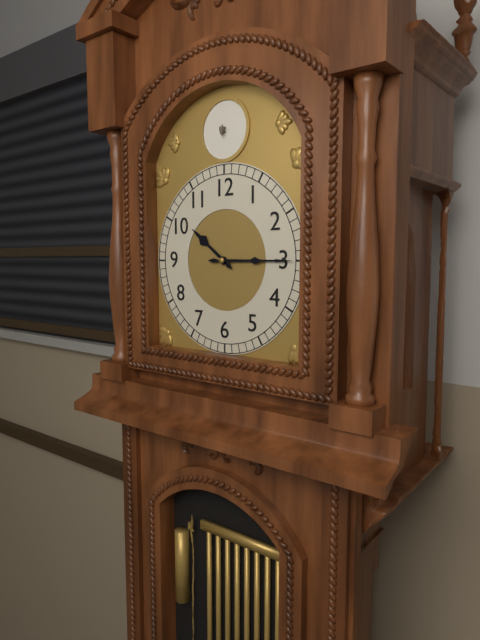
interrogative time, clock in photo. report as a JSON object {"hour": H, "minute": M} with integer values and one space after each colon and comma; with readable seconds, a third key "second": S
{"hour": 10, "minute": 15}
